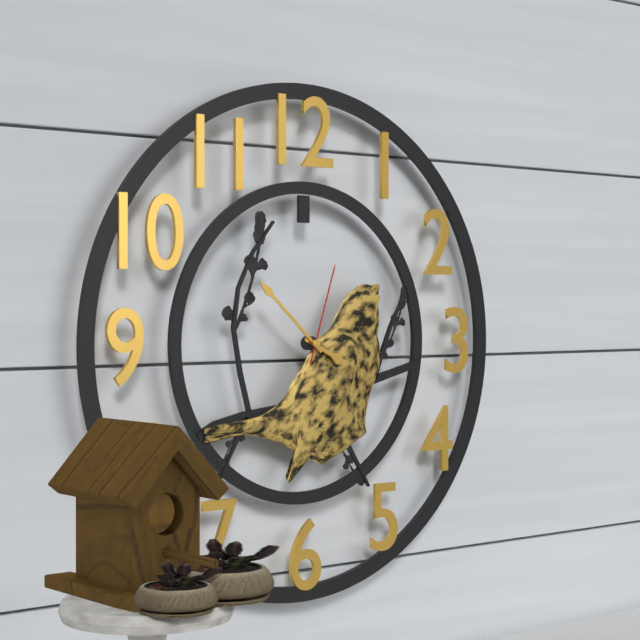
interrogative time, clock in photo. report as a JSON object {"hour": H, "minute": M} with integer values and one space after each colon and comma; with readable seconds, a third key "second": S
{"hour": 3, "minute": 52, "second": 3}
